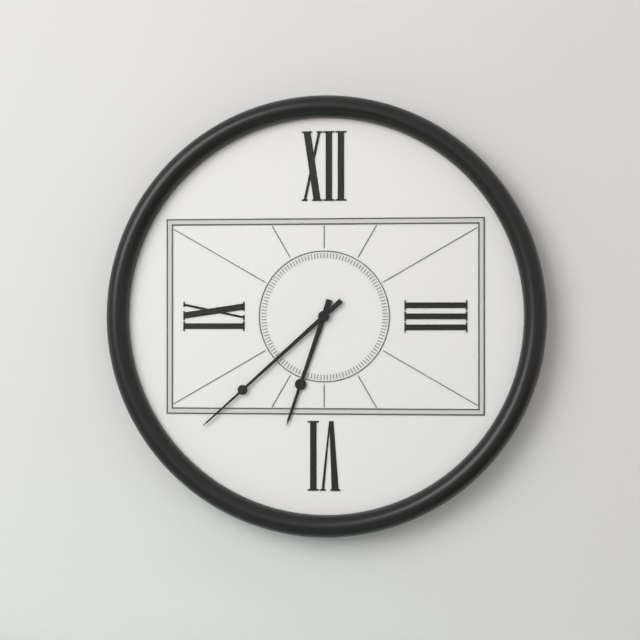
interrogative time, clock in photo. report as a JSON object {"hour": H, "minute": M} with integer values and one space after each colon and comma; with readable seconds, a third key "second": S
{"hour": 6, "minute": 38}
